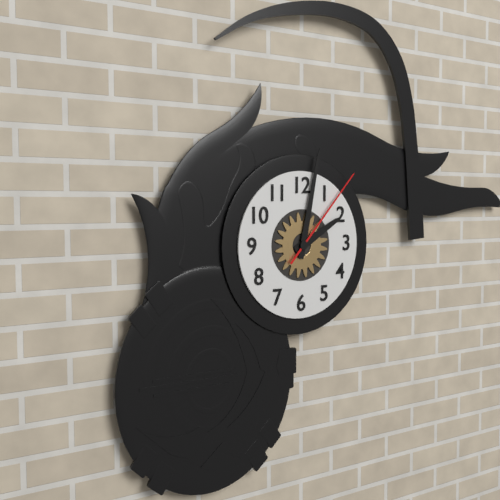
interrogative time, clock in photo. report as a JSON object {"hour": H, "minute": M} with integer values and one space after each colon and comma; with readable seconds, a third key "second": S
{"hour": 2, "minute": 2, "second": 7}
